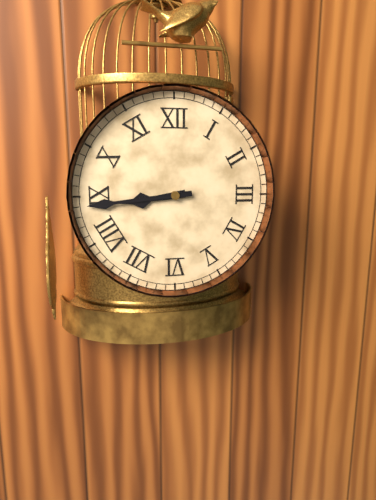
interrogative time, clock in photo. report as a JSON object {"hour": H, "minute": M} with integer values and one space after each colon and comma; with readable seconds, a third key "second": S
{"hour": 8, "minute": 44}
